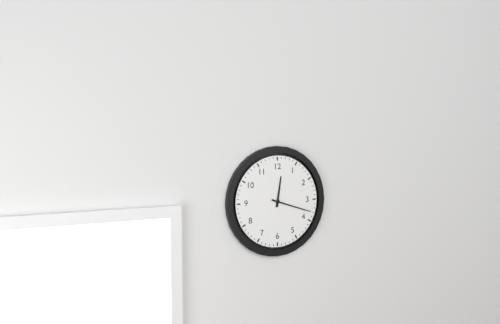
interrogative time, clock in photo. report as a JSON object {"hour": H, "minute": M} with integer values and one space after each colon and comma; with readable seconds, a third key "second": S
{"hour": 12, "minute": 18}
